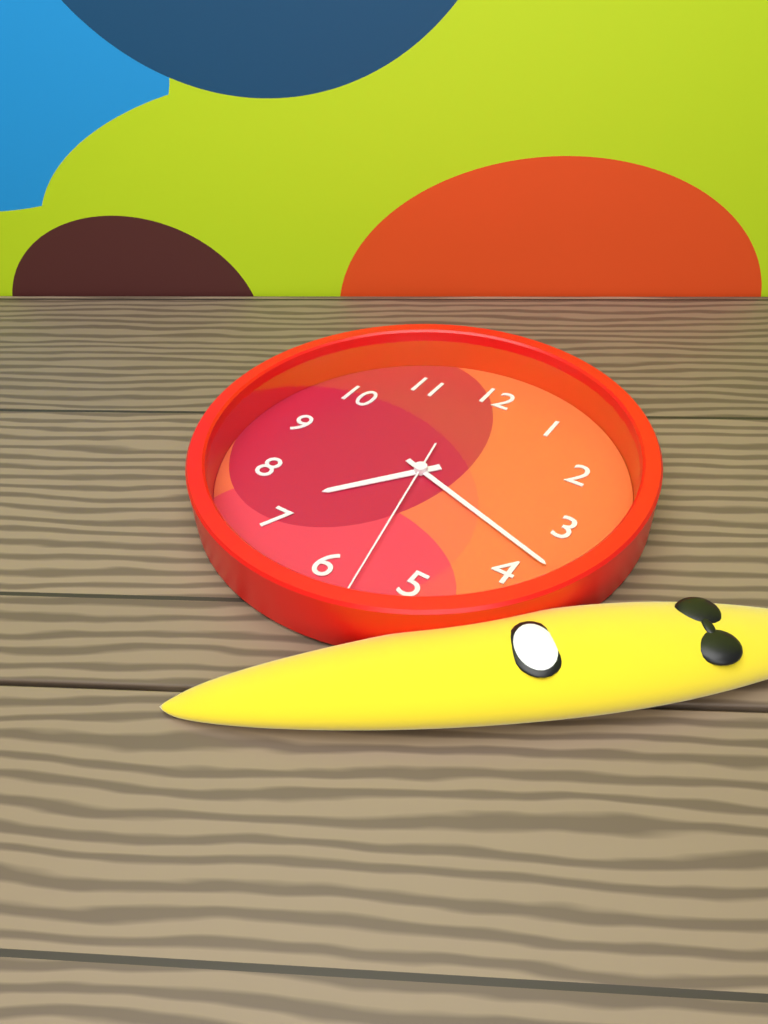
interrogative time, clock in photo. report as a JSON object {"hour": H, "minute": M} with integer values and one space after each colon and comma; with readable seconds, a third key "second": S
{"hour": 7, "minute": 18, "second": 28}
